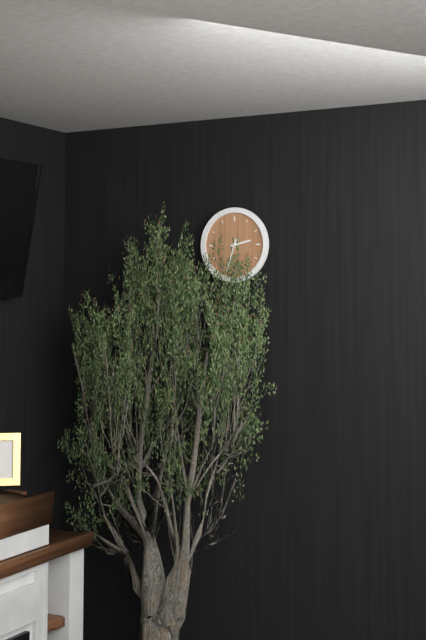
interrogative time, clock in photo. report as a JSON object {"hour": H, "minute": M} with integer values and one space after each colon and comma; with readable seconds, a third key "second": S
{"hour": 2, "minute": 33}
